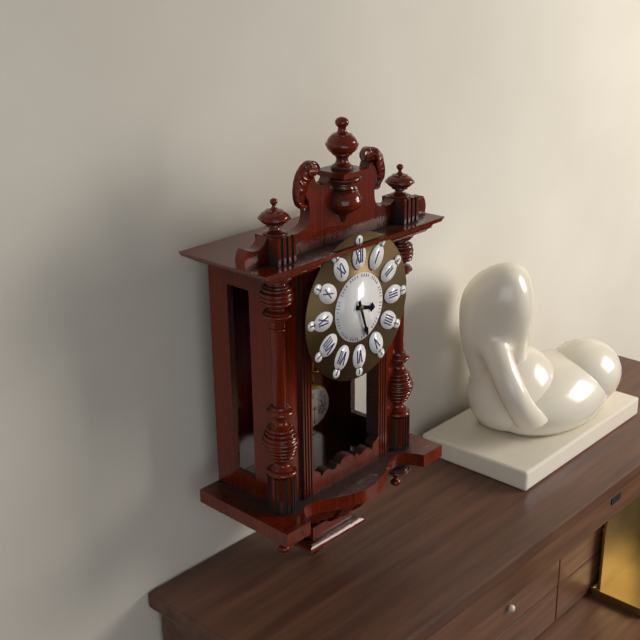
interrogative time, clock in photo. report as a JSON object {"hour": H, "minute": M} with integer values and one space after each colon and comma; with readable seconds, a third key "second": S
{"hour": 3, "minute": 27}
